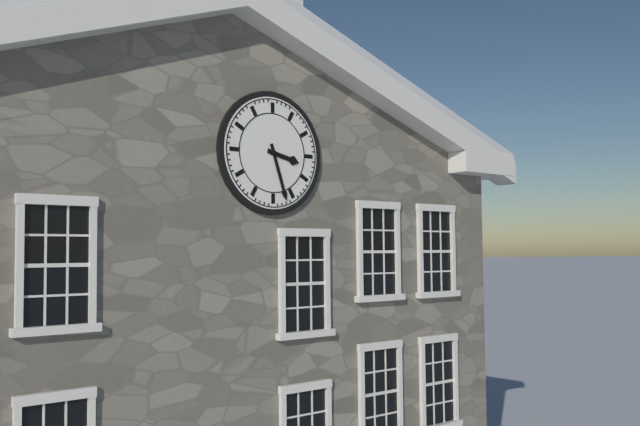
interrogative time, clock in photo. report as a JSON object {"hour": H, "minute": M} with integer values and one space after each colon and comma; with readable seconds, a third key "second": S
{"hour": 3, "minute": 27}
